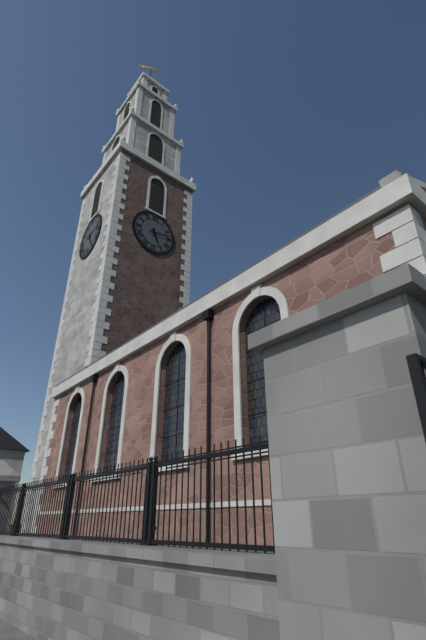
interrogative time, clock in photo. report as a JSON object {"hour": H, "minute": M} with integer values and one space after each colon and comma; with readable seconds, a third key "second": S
{"hour": 5, "minute": 13}
